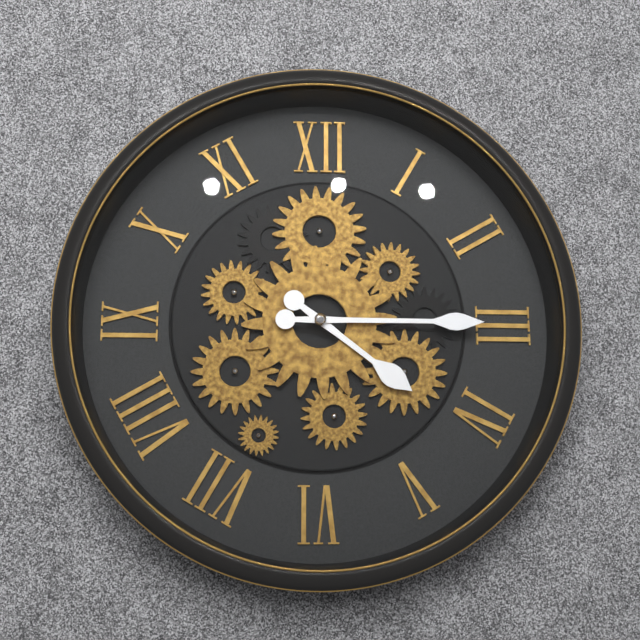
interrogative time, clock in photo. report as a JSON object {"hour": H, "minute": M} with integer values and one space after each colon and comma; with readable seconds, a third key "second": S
{"hour": 4, "minute": 15}
